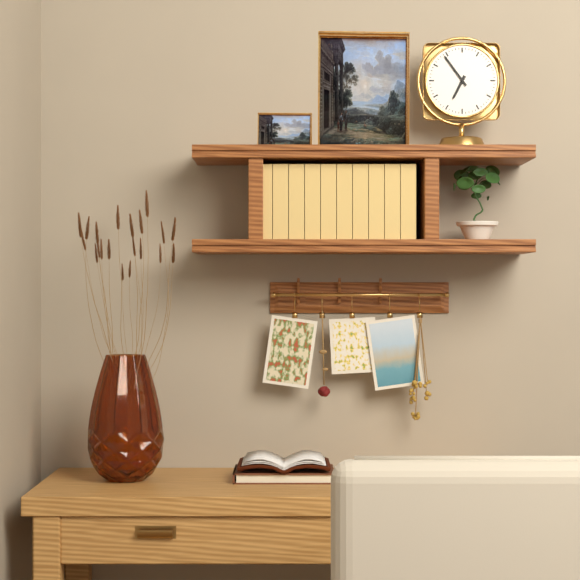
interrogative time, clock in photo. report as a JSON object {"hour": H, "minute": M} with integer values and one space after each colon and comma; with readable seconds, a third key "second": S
{"hour": 6, "minute": 54}
